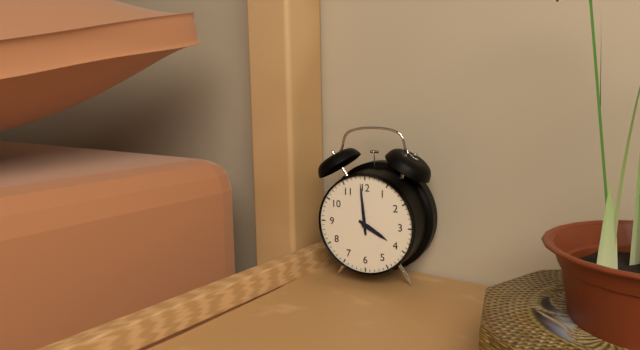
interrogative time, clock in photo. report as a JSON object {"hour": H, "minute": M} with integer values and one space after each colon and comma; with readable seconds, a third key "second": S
{"hour": 3, "minute": 59}
